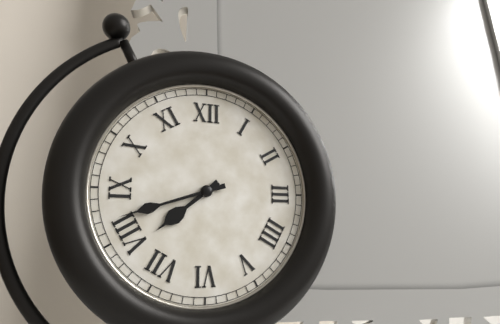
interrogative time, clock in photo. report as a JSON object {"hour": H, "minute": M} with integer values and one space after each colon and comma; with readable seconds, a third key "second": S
{"hour": 7, "minute": 42}
